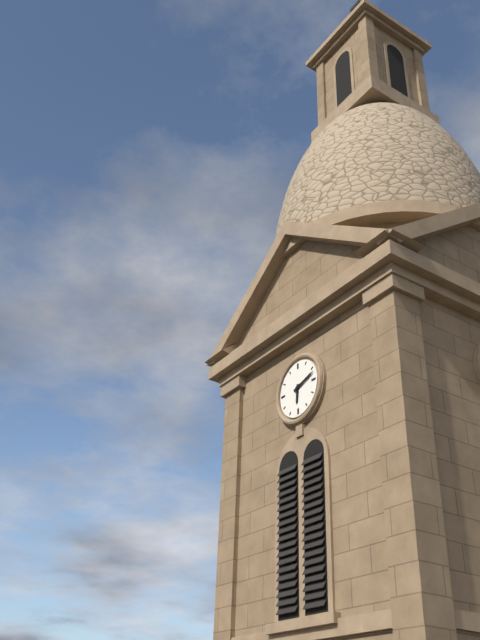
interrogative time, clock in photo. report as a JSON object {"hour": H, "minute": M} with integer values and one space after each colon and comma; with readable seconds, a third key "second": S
{"hour": 6, "minute": 12}
